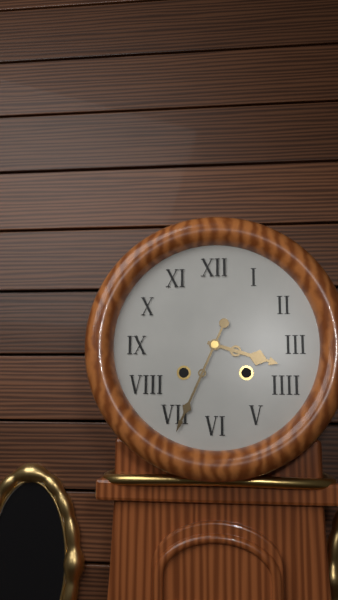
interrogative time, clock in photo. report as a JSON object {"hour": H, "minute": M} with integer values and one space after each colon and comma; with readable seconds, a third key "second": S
{"hour": 3, "minute": 34}
